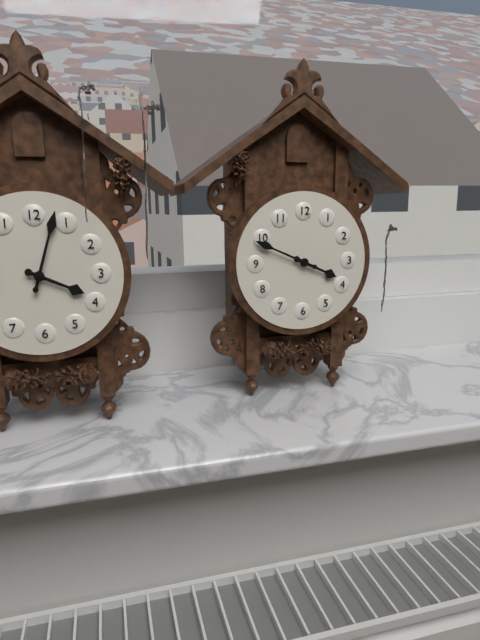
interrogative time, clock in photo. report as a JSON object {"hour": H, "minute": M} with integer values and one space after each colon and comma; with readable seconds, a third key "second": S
{"hour": 3, "minute": 49}
